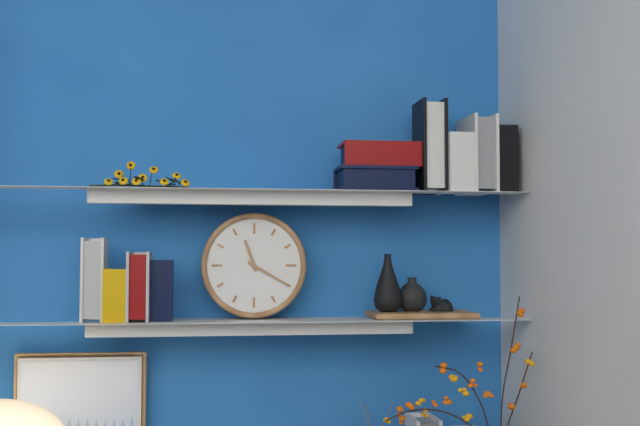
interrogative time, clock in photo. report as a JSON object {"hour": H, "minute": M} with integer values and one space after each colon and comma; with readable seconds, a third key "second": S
{"hour": 11, "minute": 20}
